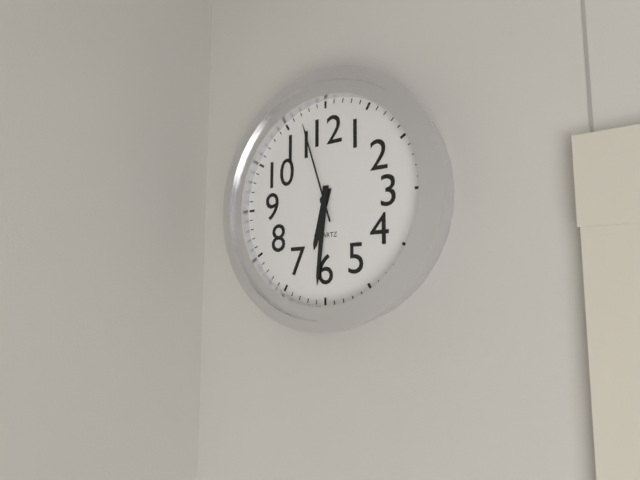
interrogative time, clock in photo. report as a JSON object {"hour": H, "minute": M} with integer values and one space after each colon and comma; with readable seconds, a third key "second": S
{"hour": 6, "minute": 31, "second": 57}
